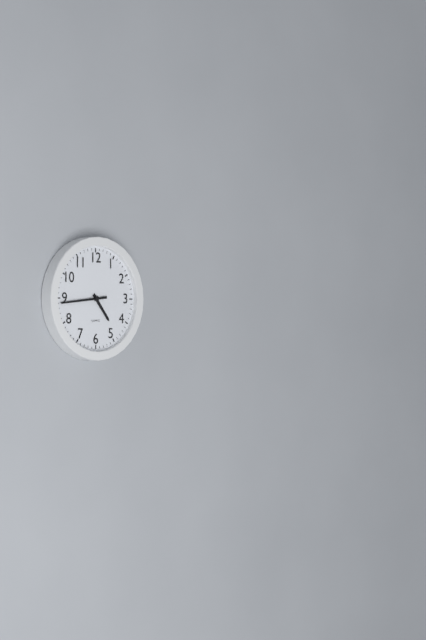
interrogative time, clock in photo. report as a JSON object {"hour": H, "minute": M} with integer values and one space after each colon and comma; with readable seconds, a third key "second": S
{"hour": 4, "minute": 44}
